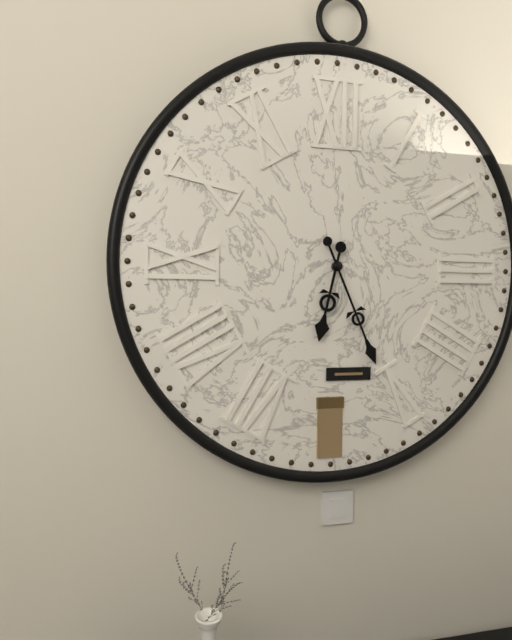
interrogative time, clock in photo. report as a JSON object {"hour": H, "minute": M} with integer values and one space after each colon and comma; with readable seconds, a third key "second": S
{"hour": 6, "minute": 26}
